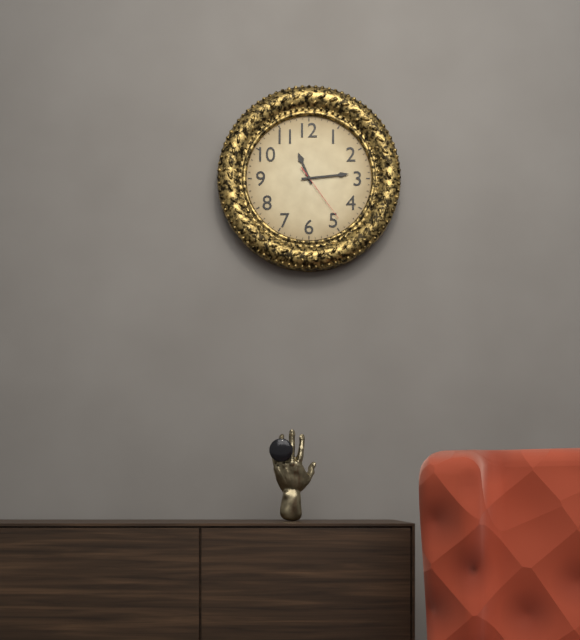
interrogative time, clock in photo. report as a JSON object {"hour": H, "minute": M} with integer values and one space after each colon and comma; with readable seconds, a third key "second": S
{"hour": 11, "minute": 14, "second": 24}
